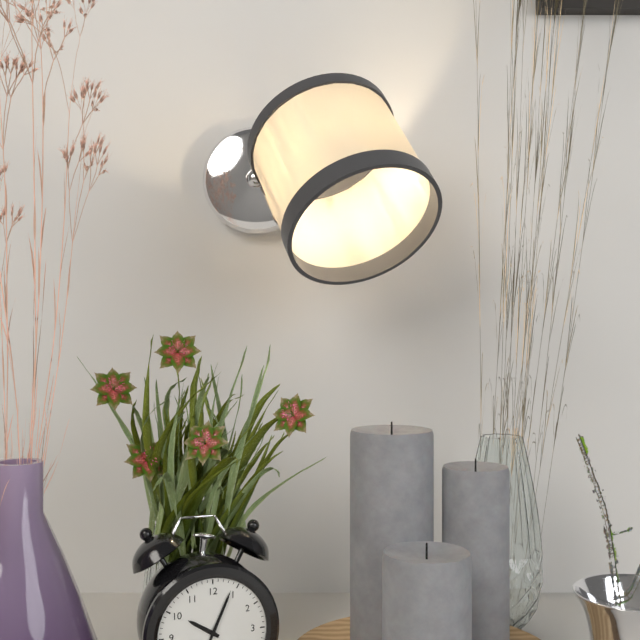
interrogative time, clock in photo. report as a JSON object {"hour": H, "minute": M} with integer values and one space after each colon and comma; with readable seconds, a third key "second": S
{"hour": 10, "minute": 4}
